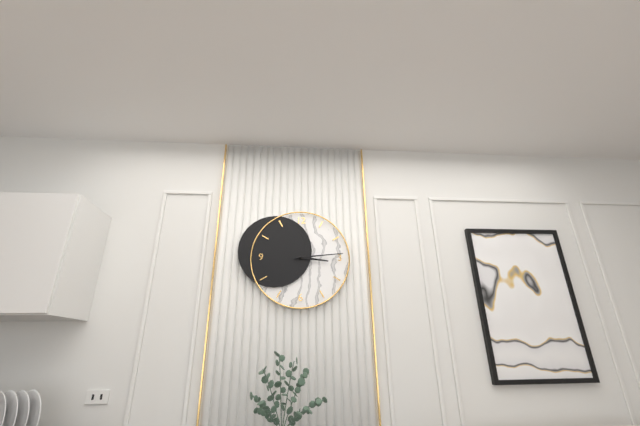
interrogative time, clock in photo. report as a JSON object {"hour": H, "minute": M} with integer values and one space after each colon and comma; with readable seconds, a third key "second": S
{"hour": 3, "minute": 14}
